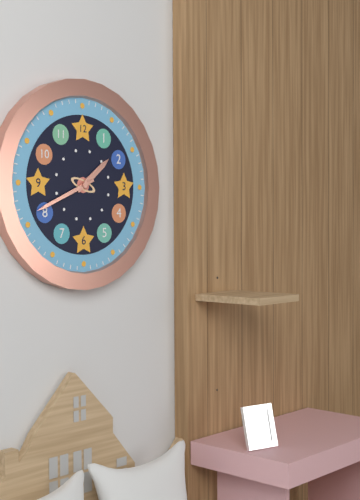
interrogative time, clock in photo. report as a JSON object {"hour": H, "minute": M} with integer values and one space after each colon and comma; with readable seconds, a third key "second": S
{"hour": 1, "minute": 41}
